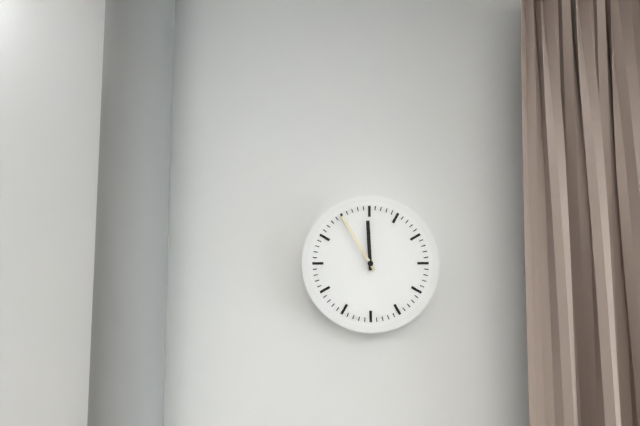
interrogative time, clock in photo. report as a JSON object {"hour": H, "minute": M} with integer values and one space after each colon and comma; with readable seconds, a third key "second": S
{"hour": 11, "minute": 55}
